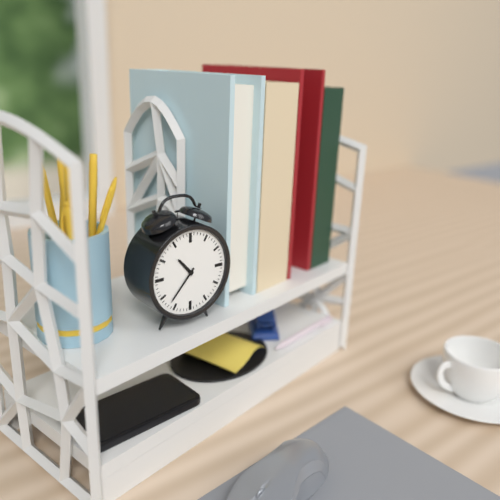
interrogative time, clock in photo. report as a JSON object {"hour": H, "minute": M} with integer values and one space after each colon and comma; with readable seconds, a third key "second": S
{"hour": 10, "minute": 37}
